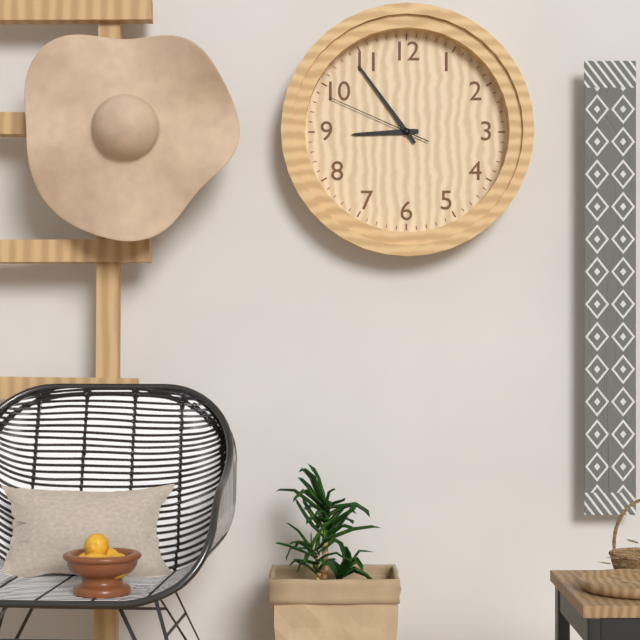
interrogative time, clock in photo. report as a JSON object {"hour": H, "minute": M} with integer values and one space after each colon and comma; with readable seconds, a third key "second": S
{"hour": 8, "minute": 54, "second": 49}
